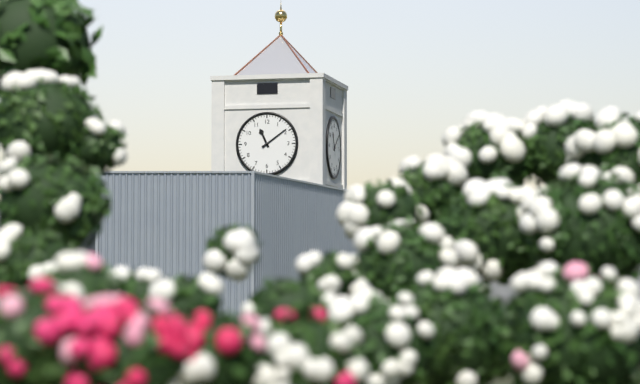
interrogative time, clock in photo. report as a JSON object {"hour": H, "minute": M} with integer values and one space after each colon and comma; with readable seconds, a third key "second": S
{"hour": 11, "minute": 9}
